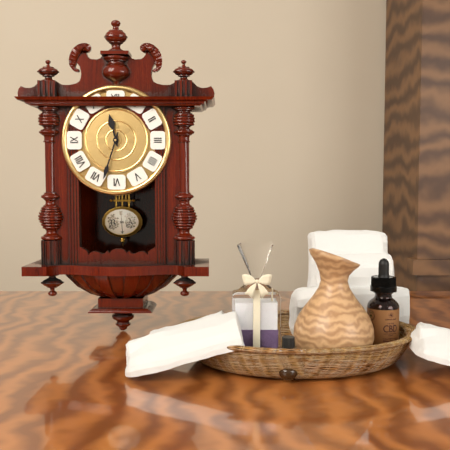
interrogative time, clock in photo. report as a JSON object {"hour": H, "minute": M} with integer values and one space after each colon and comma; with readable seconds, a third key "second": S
{"hour": 11, "minute": 33}
